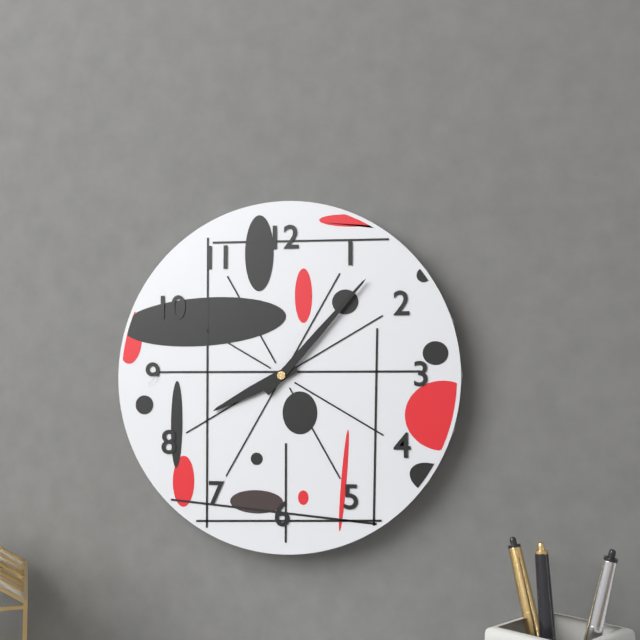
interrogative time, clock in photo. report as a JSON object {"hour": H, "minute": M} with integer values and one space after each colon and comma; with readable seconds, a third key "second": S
{"hour": 8, "minute": 7}
